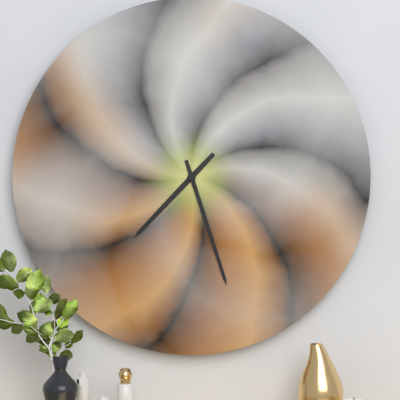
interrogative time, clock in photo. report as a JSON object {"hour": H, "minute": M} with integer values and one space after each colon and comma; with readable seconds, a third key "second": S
{"hour": 7, "minute": 27}
